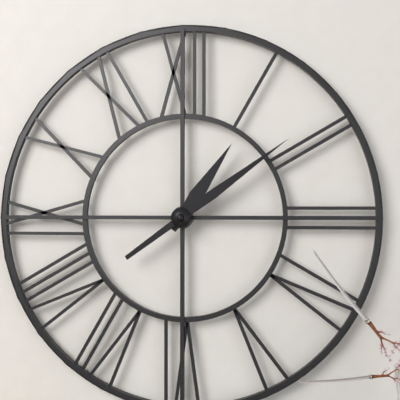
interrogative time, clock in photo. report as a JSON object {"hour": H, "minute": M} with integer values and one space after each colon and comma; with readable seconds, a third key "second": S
{"hour": 1, "minute": 9}
